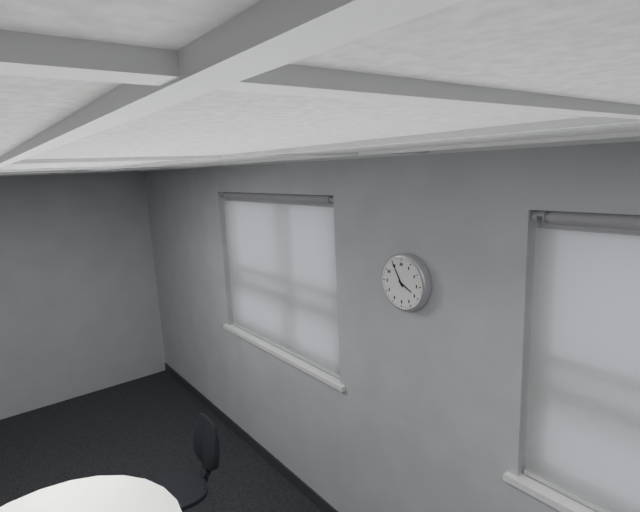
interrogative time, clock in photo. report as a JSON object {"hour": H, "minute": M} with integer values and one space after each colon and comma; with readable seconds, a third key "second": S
{"hour": 3, "minute": 55}
